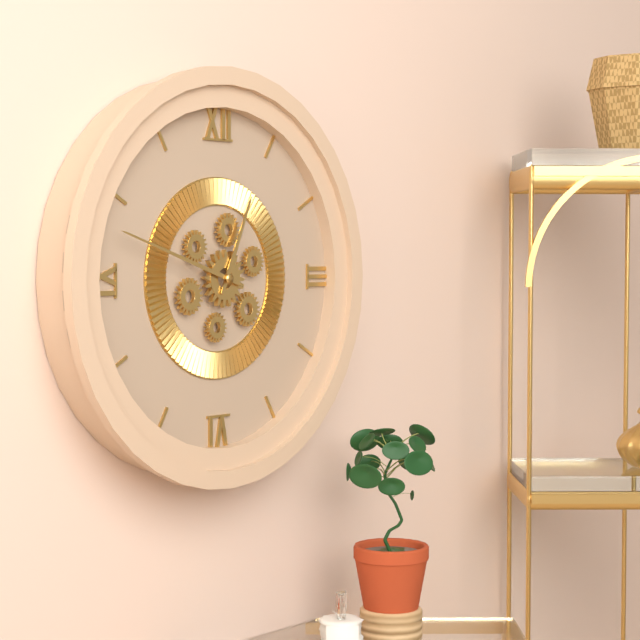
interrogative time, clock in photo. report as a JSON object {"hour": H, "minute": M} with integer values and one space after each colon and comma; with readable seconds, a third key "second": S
{"hour": 12, "minute": 48}
